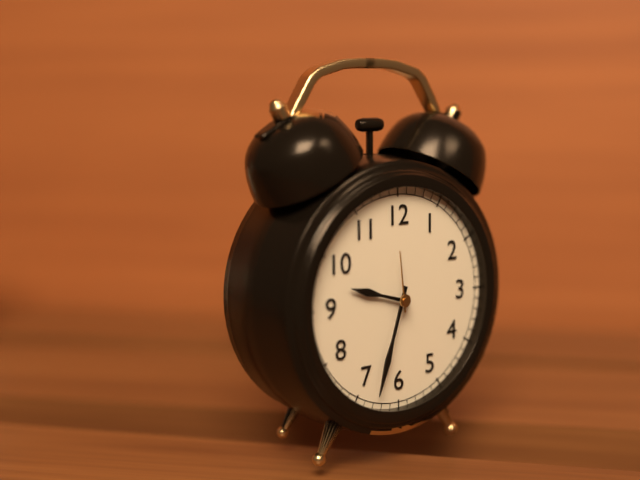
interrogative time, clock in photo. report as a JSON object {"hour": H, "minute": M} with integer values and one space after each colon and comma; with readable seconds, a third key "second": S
{"hour": 9, "minute": 33, "second": 59}
